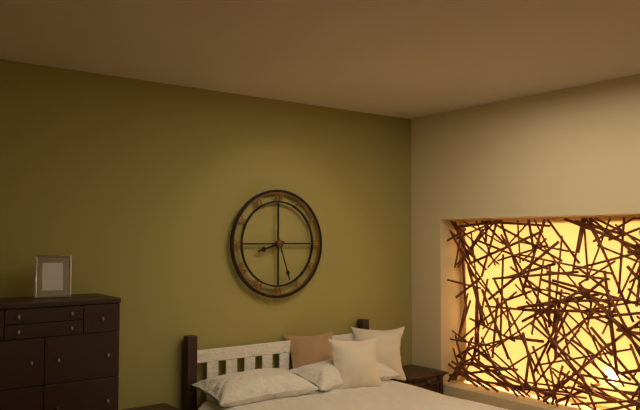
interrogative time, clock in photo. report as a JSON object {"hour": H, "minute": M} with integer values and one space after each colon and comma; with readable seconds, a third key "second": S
{"hour": 8, "minute": 27}
